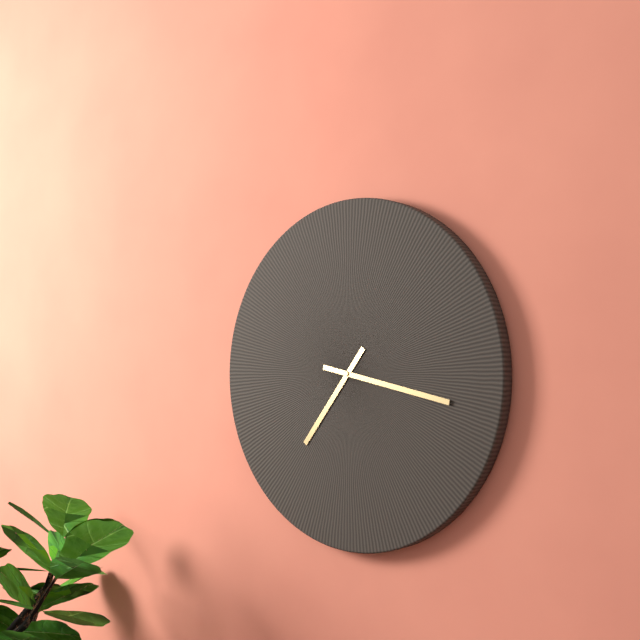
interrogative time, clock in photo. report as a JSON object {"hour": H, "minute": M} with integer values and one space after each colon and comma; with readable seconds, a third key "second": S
{"hour": 7, "minute": 17}
